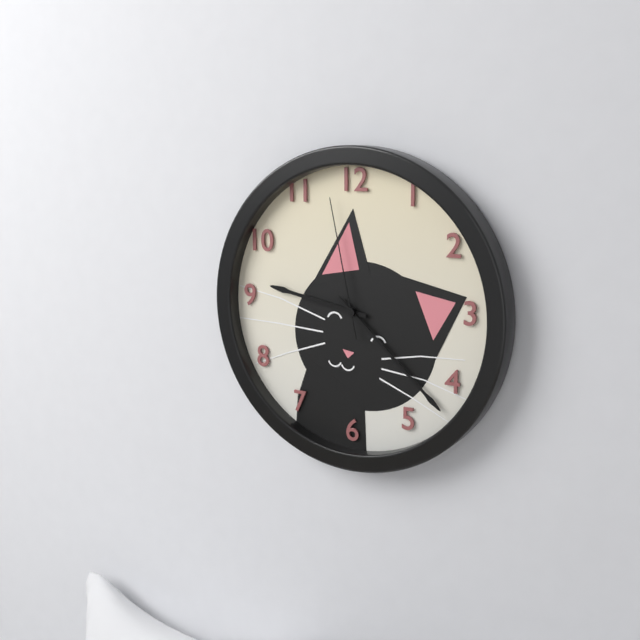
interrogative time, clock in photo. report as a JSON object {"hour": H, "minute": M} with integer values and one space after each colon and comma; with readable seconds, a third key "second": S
{"hour": 9, "minute": 22, "second": 58}
